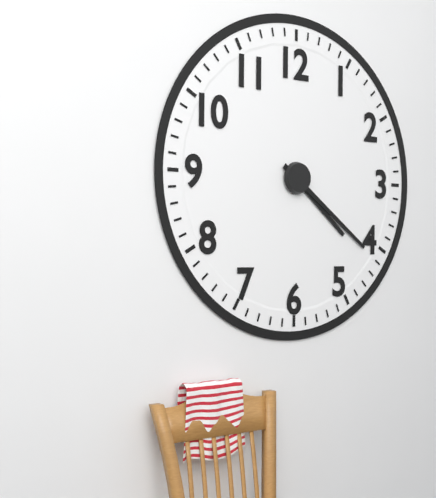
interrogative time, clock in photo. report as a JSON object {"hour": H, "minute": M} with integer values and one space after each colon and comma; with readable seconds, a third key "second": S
{"hour": 4, "minute": 21}
